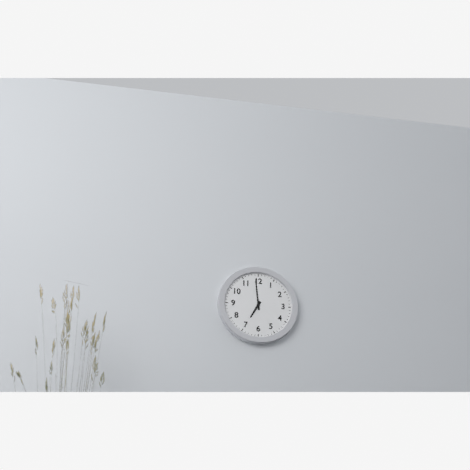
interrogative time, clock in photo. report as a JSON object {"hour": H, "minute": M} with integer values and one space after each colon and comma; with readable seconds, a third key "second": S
{"hour": 6, "minute": 59}
